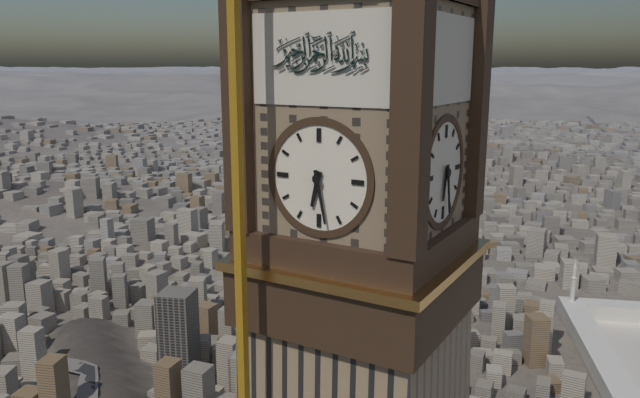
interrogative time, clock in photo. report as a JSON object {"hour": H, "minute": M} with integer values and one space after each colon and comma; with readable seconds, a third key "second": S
{"hour": 6, "minute": 28}
